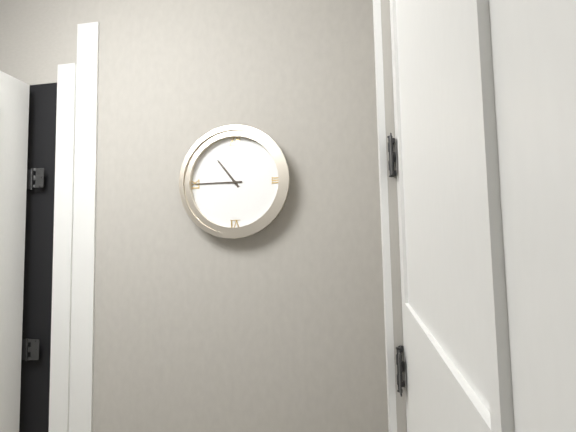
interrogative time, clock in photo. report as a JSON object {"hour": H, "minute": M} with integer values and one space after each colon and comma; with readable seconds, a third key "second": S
{"hour": 10, "minute": 45}
